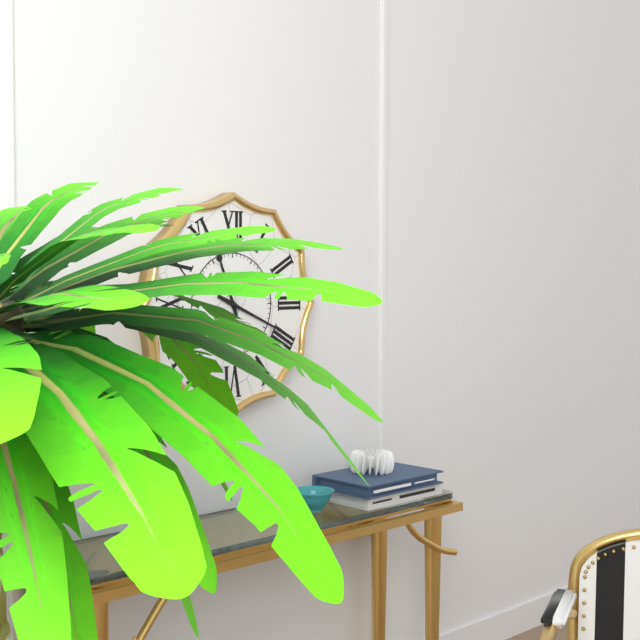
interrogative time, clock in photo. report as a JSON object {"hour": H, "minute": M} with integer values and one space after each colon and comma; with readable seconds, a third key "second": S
{"hour": 11, "minute": 19}
